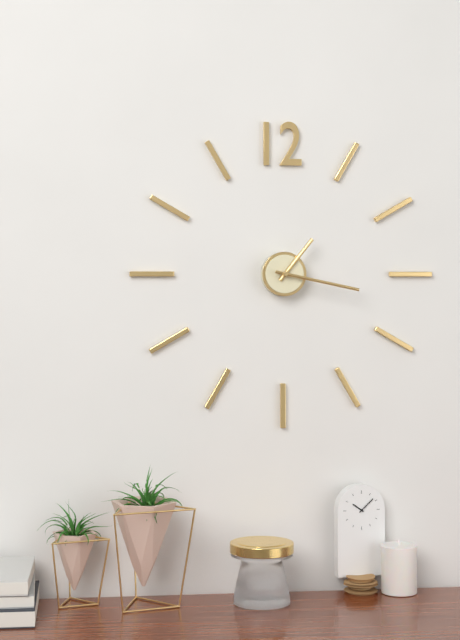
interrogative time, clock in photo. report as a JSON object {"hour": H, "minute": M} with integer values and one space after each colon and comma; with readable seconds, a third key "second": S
{"hour": 1, "minute": 17}
